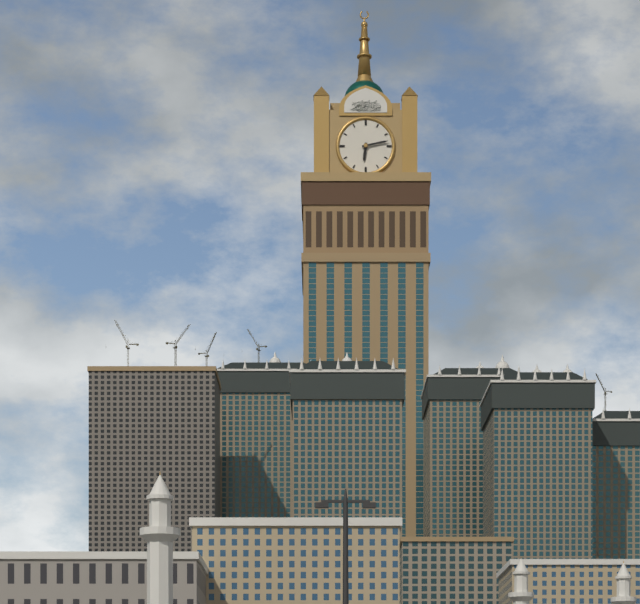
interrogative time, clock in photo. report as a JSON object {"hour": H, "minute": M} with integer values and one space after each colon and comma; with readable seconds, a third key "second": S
{"hour": 6, "minute": 13}
